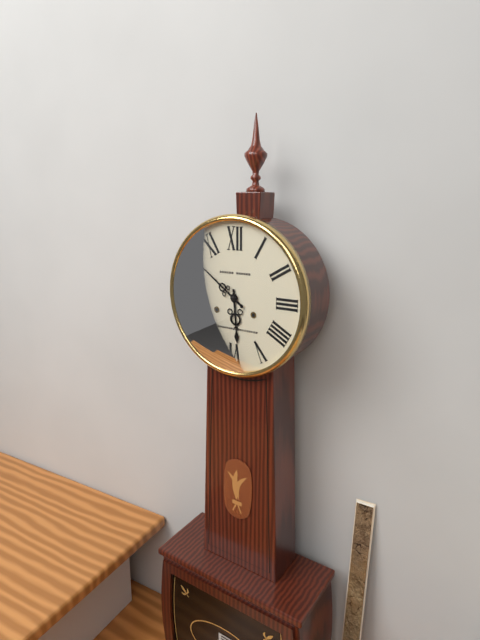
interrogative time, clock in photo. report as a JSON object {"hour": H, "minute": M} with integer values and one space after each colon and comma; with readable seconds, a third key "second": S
{"hour": 5, "minute": 51}
